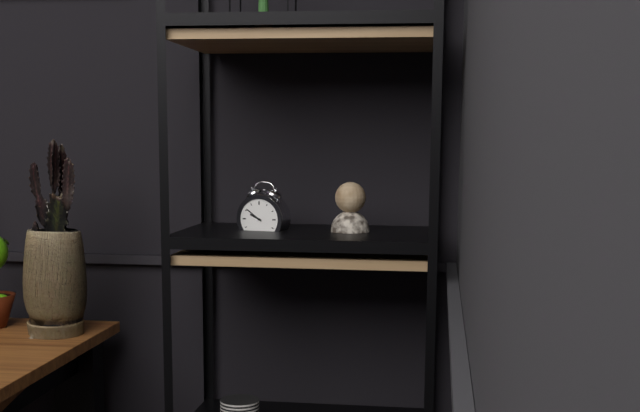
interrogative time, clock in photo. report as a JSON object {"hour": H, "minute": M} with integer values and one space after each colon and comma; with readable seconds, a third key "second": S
{"hour": 9, "minute": 51}
